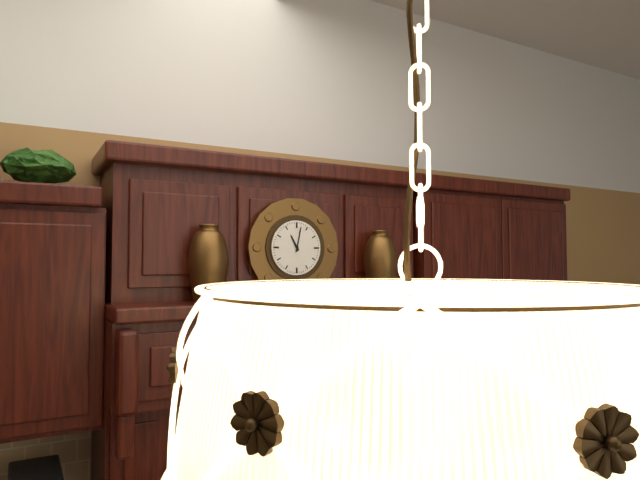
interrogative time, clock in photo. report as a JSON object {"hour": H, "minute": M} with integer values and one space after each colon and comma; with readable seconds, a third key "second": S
{"hour": 11, "minute": 2}
